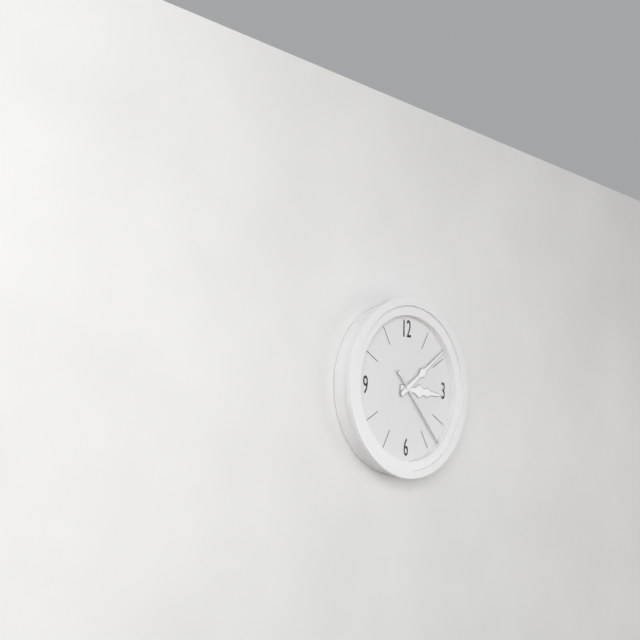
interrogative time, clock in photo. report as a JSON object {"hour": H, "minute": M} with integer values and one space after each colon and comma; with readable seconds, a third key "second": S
{"hour": 3, "minute": 9, "second": 23}
